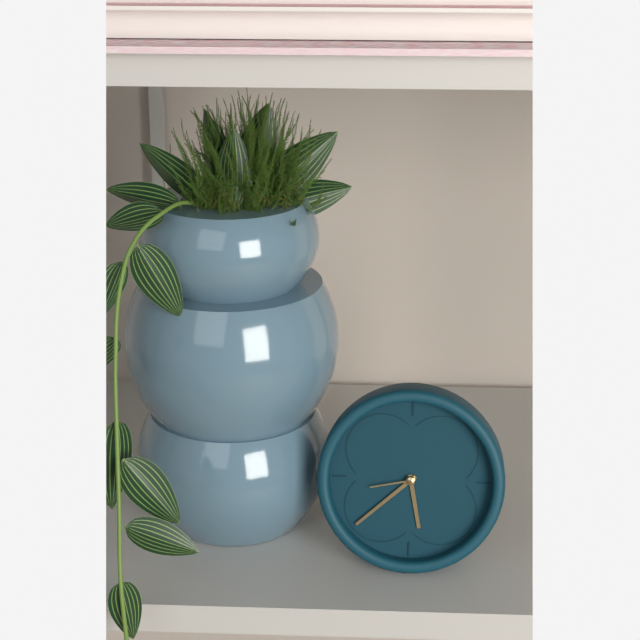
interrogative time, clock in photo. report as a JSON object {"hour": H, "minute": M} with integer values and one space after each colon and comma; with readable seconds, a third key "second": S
{"hour": 5, "minute": 38, "second": 43}
